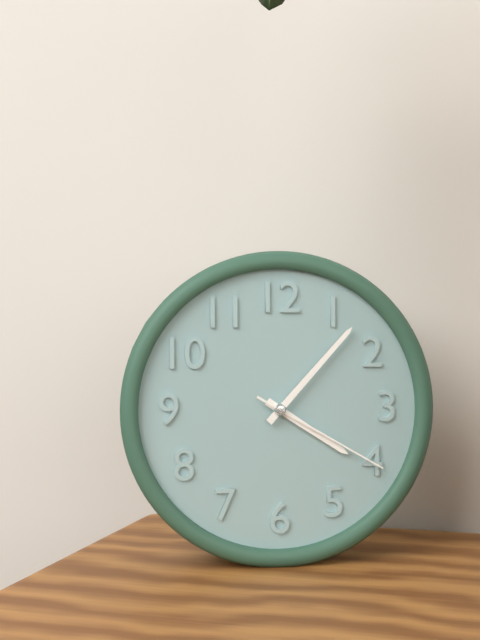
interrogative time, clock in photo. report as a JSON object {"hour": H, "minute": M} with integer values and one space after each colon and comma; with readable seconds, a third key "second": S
{"hour": 4, "minute": 7, "second": 20}
